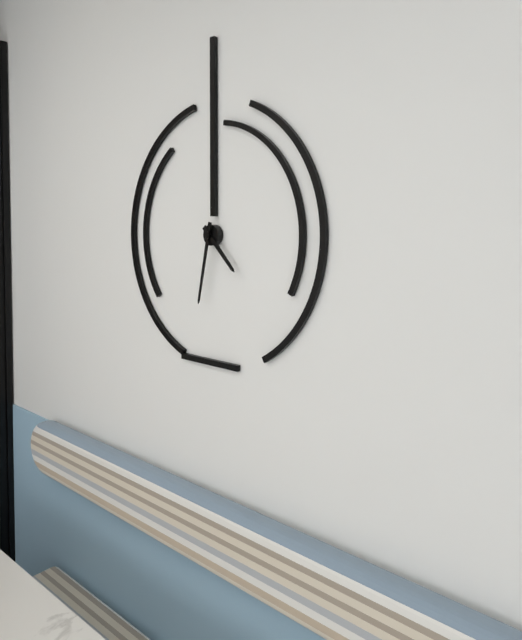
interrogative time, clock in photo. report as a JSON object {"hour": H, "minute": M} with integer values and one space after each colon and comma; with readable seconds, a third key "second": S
{"hour": 4, "minute": 32}
